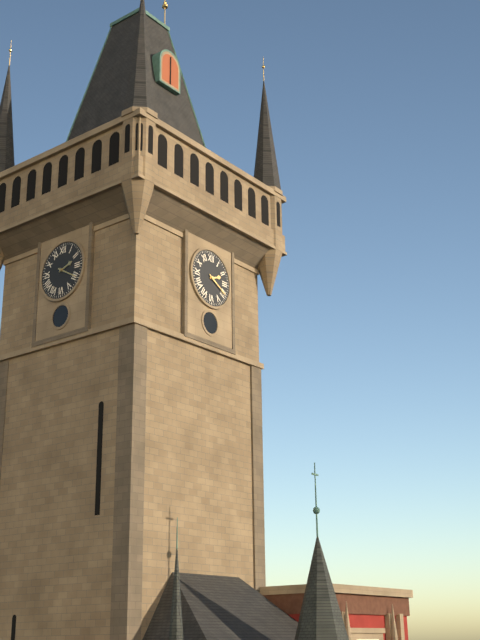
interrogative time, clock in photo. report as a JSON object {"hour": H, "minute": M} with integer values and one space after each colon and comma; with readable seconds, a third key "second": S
{"hour": 2, "minute": 20}
